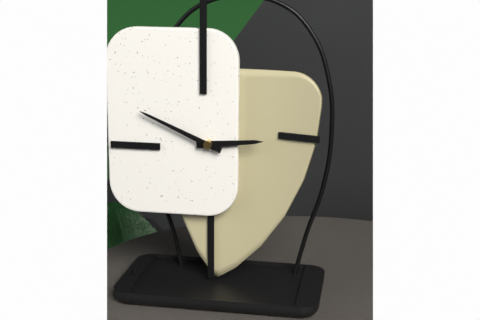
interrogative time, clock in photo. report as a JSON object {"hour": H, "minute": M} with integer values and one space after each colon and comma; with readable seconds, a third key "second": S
{"hour": 2, "minute": 49}
